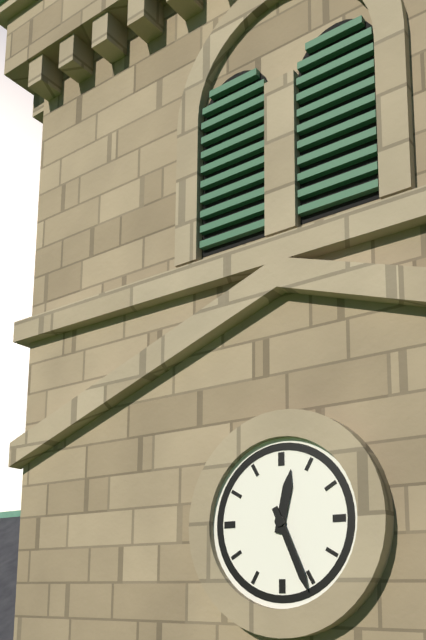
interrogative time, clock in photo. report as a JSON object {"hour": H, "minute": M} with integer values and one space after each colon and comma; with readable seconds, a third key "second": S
{"hour": 12, "minute": 26}
